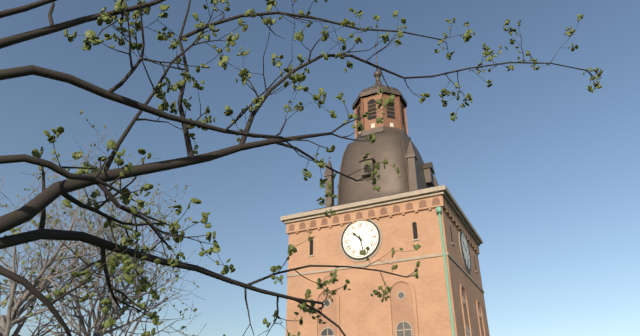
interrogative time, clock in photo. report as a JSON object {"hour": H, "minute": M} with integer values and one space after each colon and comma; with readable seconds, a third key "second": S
{"hour": 10, "minute": 28}
